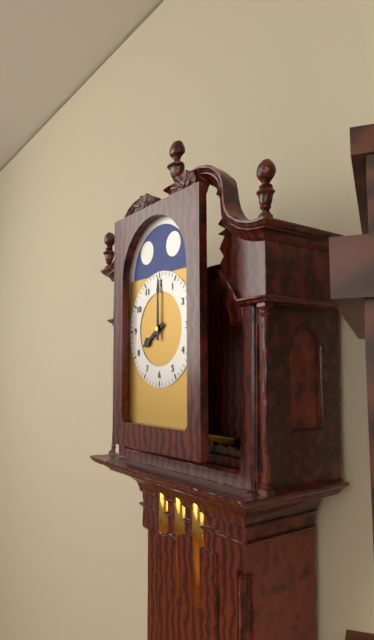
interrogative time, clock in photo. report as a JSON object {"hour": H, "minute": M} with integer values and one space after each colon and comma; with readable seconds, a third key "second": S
{"hour": 8, "minute": 0}
